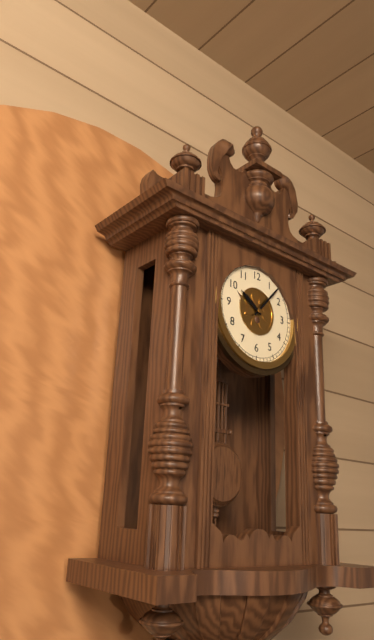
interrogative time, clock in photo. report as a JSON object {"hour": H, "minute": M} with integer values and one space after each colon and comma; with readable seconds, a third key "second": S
{"hour": 10, "minute": 7}
